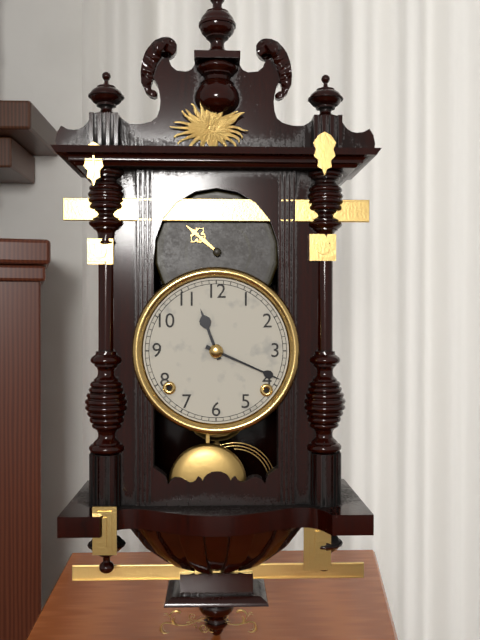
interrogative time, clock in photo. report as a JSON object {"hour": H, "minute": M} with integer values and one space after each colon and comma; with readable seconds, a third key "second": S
{"hour": 11, "minute": 19}
